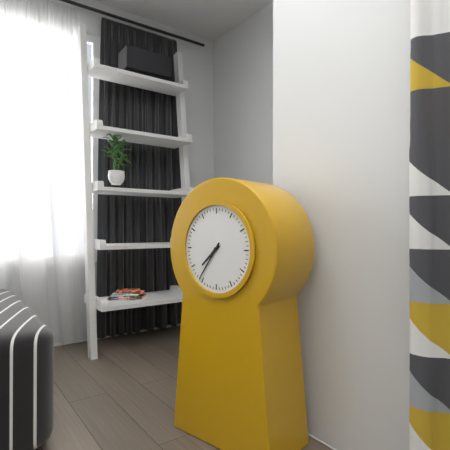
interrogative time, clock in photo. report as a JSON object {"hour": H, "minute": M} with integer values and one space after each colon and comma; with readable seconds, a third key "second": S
{"hour": 7, "minute": 36}
